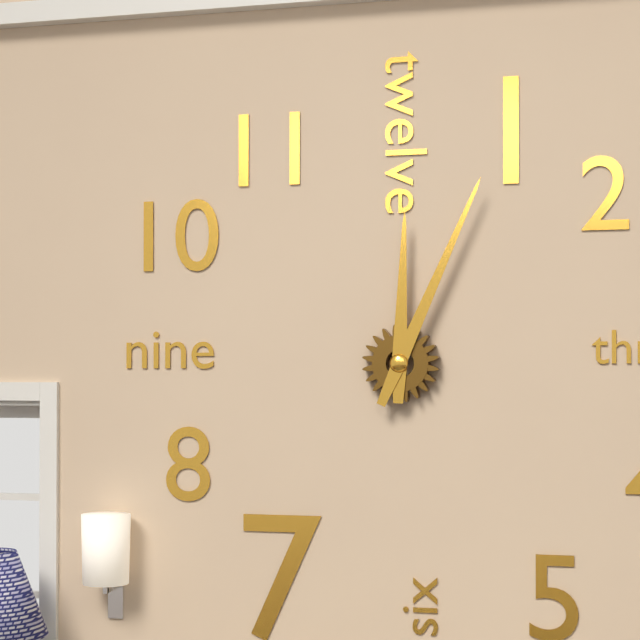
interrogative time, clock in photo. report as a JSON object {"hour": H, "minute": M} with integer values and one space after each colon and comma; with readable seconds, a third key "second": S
{"hour": 12, "minute": 4}
